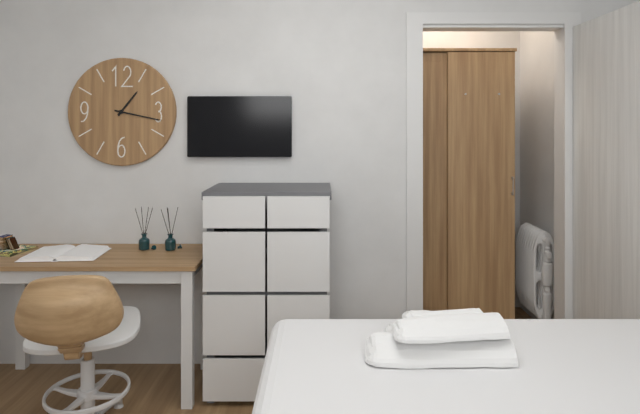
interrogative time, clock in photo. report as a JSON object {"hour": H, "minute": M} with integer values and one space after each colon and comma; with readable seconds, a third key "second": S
{"hour": 1, "minute": 17}
